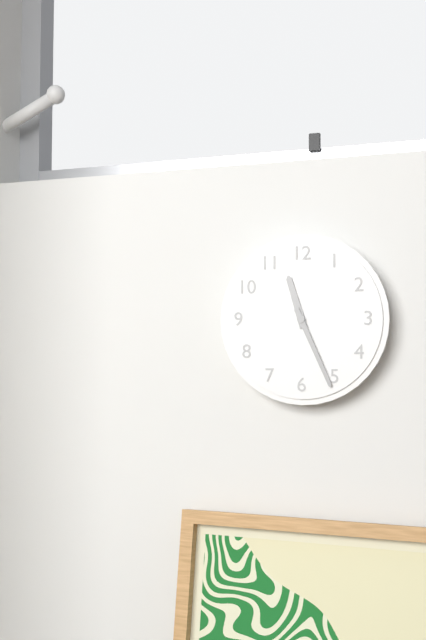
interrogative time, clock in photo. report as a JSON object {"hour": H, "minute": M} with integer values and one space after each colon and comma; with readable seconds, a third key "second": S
{"hour": 11, "minute": 26}
